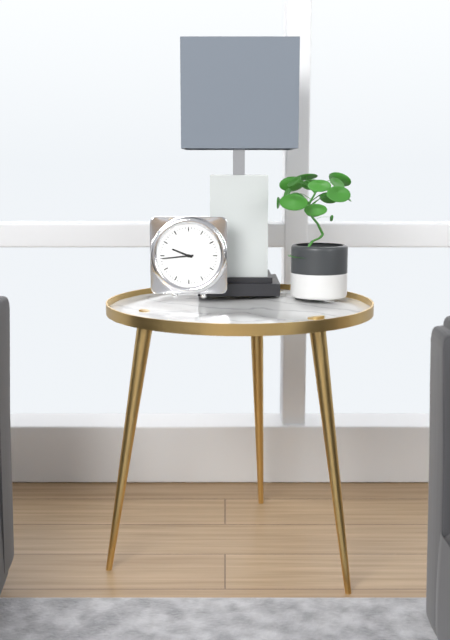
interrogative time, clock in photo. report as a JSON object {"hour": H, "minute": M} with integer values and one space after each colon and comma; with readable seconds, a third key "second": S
{"hour": 9, "minute": 44}
